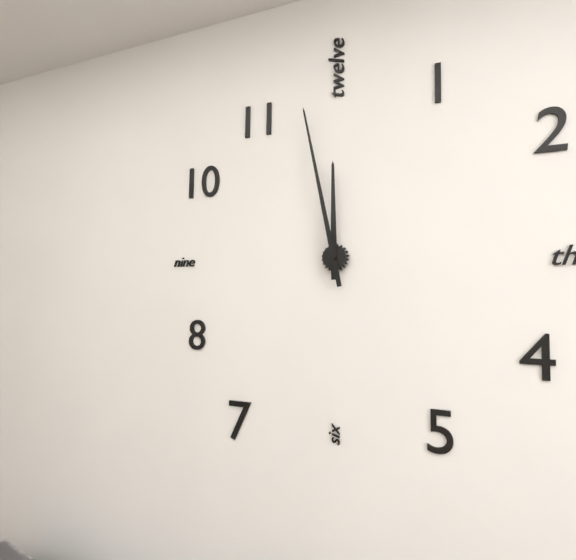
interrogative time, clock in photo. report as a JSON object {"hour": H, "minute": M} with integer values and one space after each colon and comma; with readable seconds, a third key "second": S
{"hour": 11, "minute": 58}
